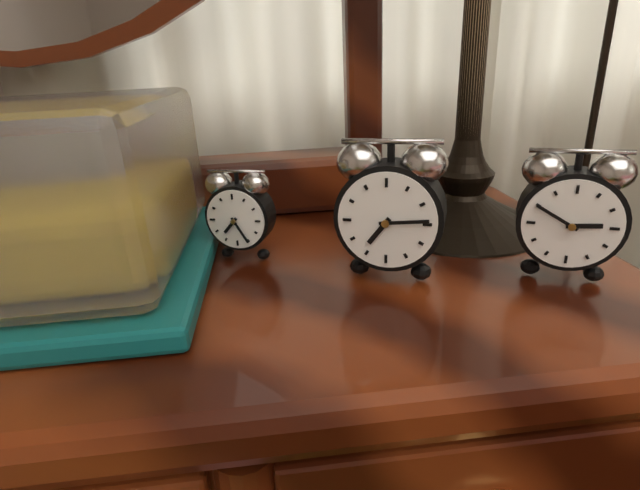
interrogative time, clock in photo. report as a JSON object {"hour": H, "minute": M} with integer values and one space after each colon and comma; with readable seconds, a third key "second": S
{"hour": 7, "minute": 14}
